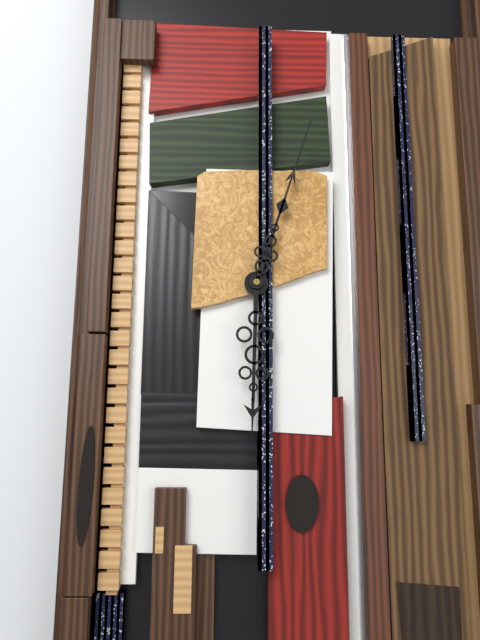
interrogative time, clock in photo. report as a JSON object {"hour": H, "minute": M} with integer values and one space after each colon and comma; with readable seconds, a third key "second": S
{"hour": 6, "minute": 3}
